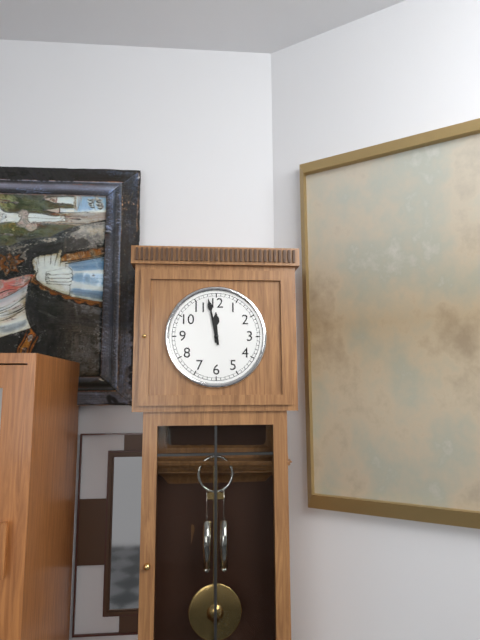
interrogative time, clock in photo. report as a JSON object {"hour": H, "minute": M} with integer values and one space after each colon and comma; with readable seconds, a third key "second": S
{"hour": 11, "minute": 58}
